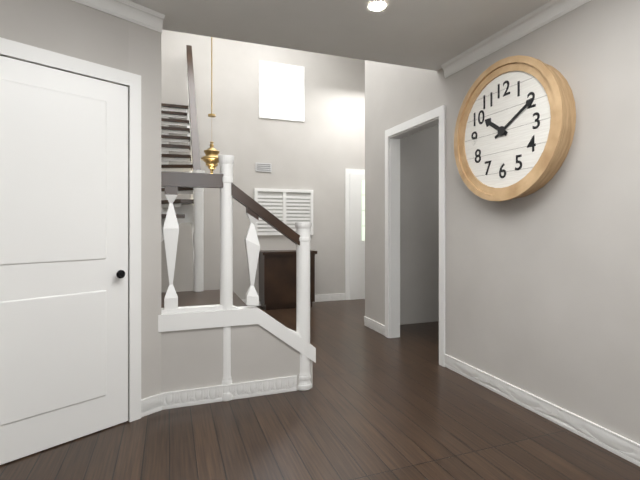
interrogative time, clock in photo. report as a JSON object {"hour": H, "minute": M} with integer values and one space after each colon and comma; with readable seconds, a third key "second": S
{"hour": 10, "minute": 10}
